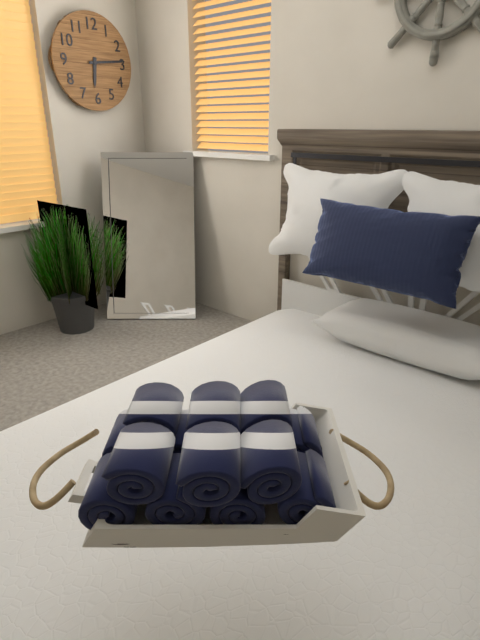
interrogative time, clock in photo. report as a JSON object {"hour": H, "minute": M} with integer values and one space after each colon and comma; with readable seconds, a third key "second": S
{"hour": 6, "minute": 14}
